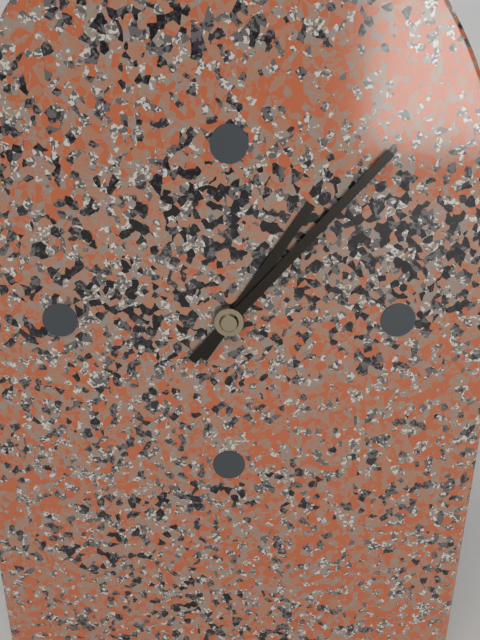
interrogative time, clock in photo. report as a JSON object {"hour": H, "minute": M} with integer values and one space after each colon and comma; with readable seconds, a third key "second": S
{"hour": 1, "minute": 7}
